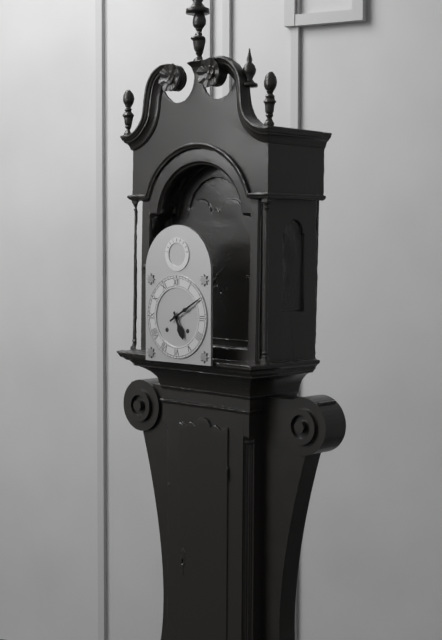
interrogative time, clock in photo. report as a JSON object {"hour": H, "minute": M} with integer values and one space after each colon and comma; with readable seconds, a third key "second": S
{"hour": 5, "minute": 10}
